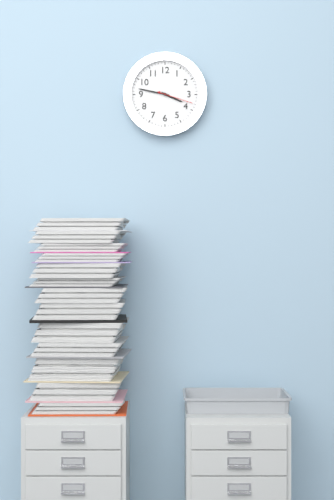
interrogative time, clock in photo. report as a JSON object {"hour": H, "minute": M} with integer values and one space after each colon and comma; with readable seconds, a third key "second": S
{"hour": 3, "minute": 47}
